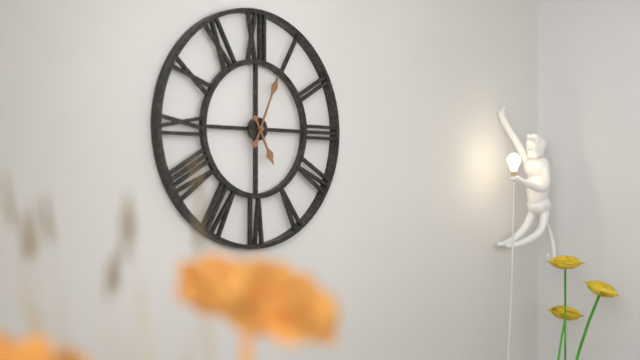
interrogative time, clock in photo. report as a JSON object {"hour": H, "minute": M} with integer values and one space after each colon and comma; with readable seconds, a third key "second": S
{"hour": 5, "minute": 4}
